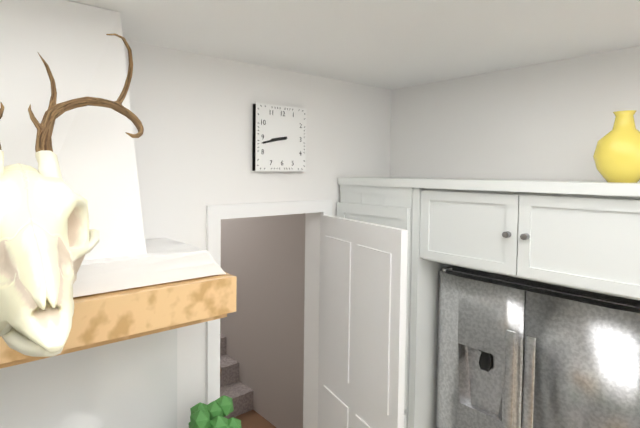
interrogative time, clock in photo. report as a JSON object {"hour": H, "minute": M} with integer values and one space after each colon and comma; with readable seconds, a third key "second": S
{"hour": 8, "minute": 43}
